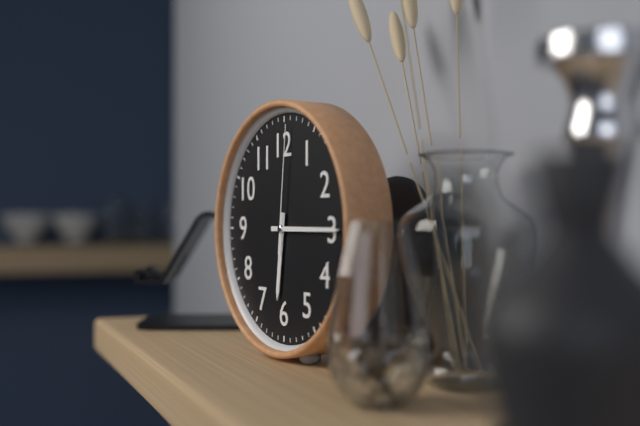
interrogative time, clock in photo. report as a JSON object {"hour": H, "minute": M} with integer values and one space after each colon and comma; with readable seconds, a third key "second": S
{"hour": 6, "minute": 15, "second": 1}
